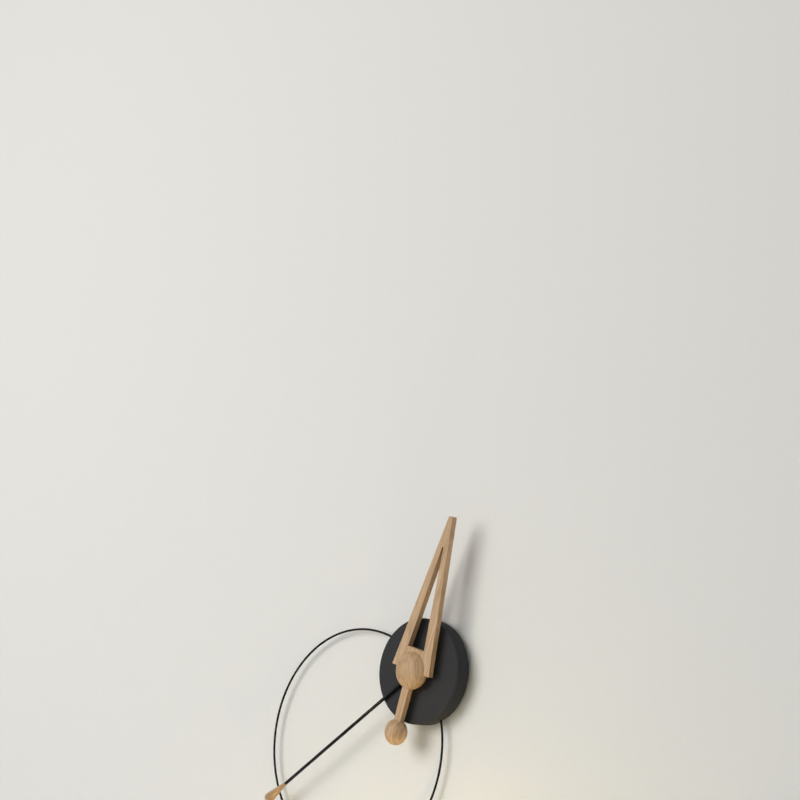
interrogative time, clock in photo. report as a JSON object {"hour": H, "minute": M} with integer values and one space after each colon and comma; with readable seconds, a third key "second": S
{"hour": 12, "minute": 40}
